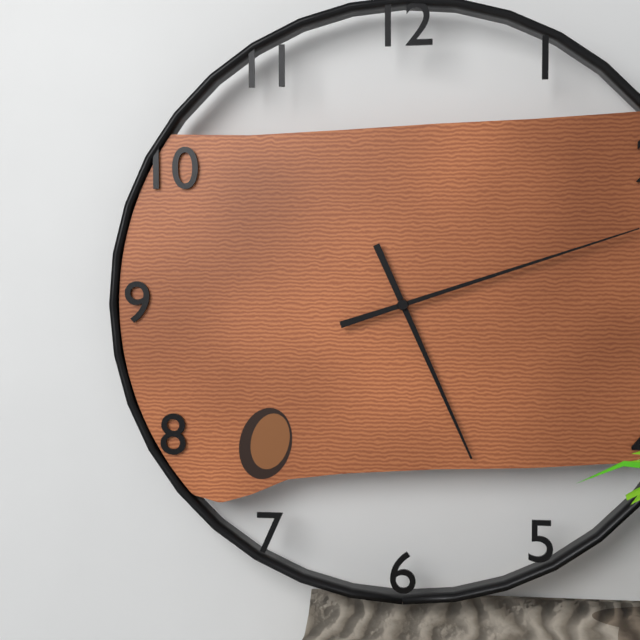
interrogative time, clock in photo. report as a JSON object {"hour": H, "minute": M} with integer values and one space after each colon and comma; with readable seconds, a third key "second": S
{"hour": 5, "minute": 12}
